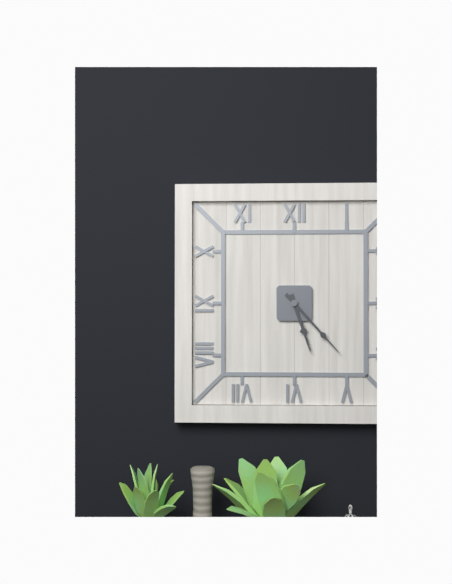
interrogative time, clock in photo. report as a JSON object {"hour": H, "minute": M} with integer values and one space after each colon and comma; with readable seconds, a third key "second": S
{"hour": 5, "minute": 23}
